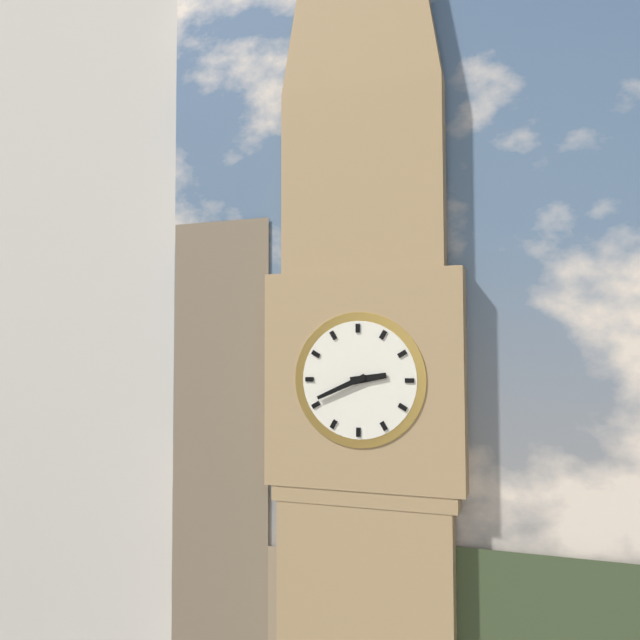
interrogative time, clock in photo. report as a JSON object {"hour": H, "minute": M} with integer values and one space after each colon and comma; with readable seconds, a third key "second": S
{"hour": 2, "minute": 41}
